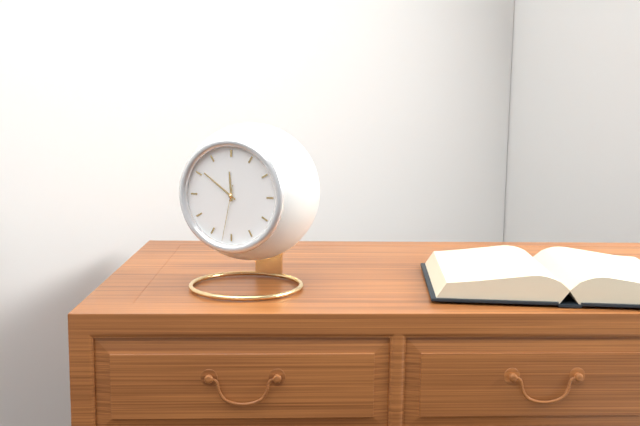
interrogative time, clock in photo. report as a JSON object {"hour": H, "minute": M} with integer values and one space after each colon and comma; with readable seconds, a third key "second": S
{"hour": 11, "minute": 51, "second": 32}
